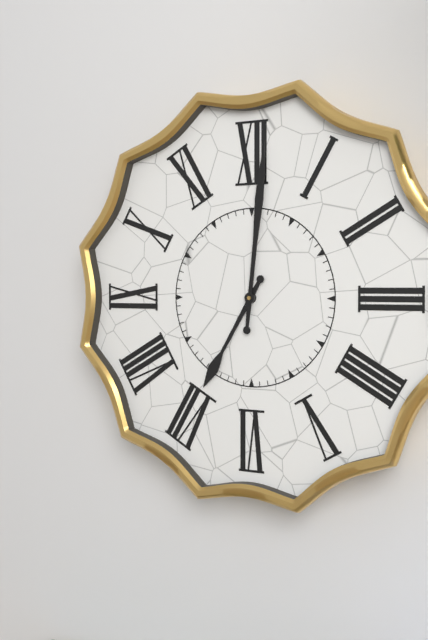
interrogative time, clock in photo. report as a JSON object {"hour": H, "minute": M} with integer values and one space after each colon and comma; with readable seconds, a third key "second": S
{"hour": 7, "minute": 1}
